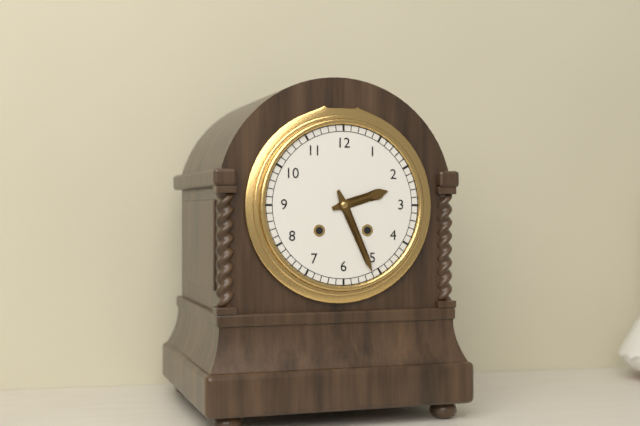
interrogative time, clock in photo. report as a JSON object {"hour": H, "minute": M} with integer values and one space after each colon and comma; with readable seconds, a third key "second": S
{"hour": 2, "minute": 26}
